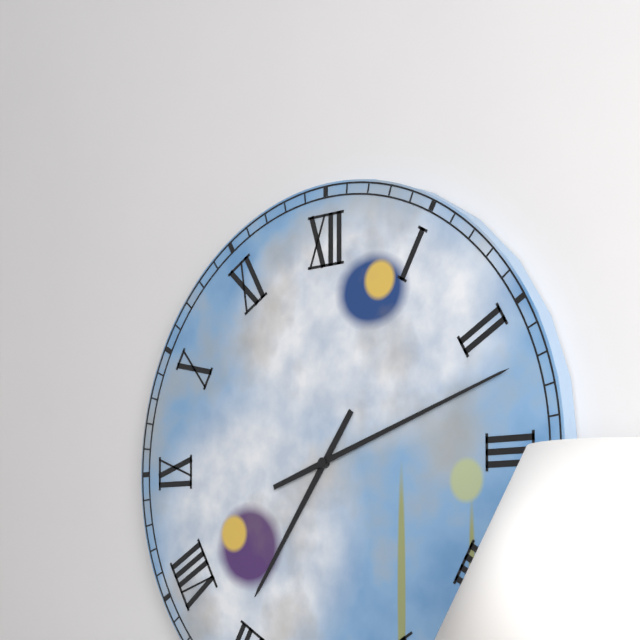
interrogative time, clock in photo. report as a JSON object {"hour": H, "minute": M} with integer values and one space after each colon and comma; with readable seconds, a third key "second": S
{"hour": 7, "minute": 12}
